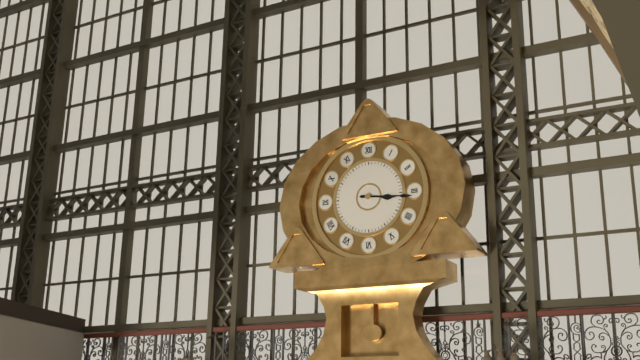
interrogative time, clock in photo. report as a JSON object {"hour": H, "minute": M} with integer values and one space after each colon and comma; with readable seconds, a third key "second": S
{"hour": 3, "minute": 16}
